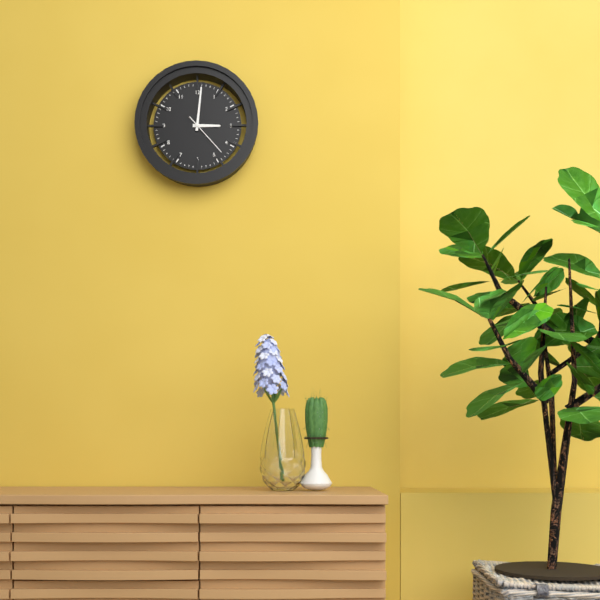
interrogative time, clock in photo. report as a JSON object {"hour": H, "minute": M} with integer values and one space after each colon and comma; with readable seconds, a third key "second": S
{"hour": 3, "minute": 1}
